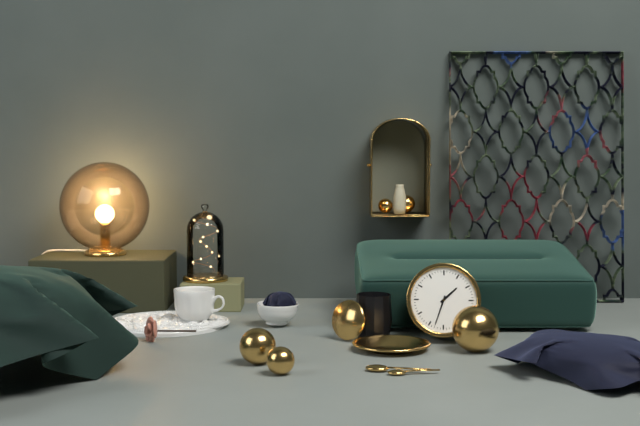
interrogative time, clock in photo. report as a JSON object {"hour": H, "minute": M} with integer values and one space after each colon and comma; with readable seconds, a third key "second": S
{"hour": 1, "minute": 33}
